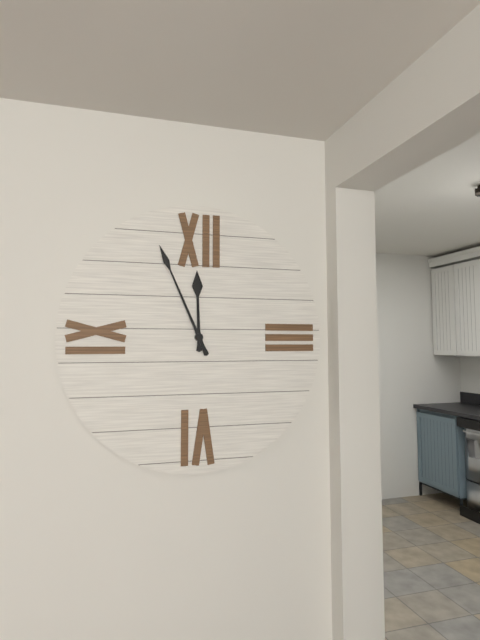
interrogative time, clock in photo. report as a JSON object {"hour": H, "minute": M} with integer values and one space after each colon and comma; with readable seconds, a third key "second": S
{"hour": 11, "minute": 56}
